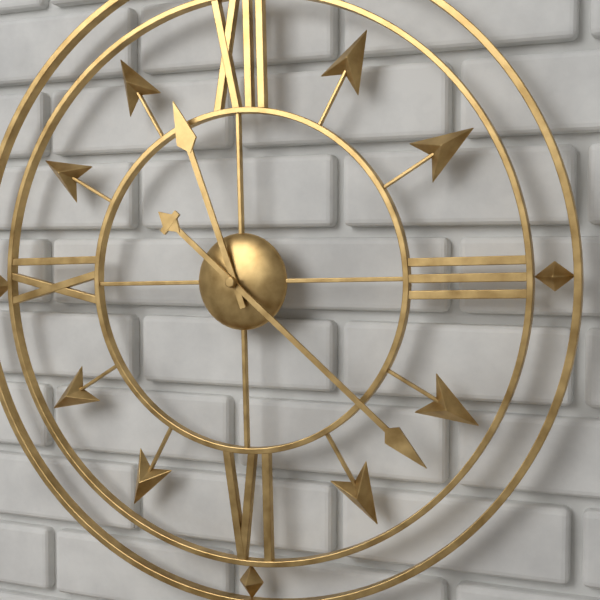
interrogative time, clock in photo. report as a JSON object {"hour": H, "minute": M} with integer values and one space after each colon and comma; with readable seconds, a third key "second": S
{"hour": 11, "minute": 22}
